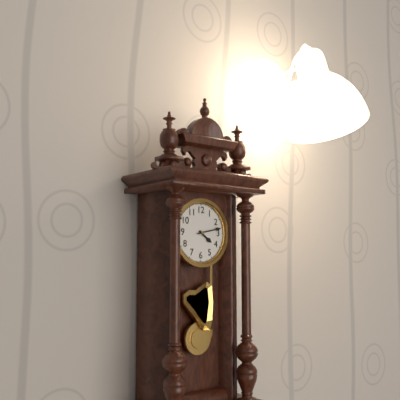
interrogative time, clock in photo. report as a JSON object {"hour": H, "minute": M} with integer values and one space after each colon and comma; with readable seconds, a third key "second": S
{"hour": 4, "minute": 13}
